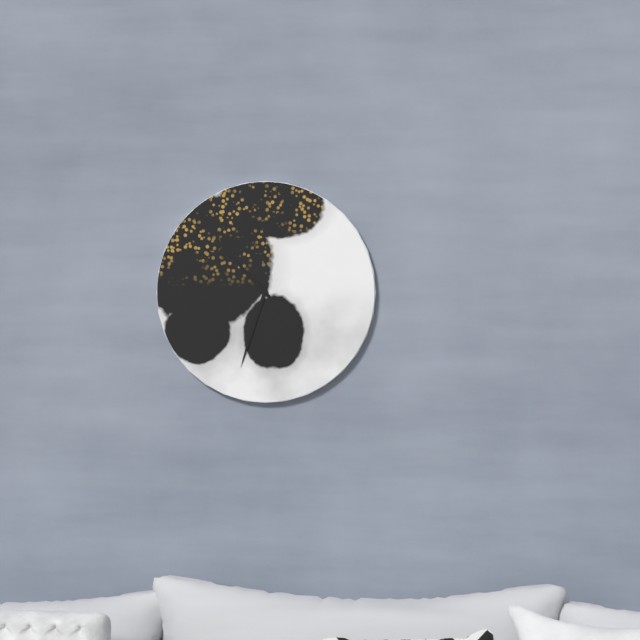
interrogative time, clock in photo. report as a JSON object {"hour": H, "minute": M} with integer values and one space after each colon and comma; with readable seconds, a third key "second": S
{"hour": 10, "minute": 33}
